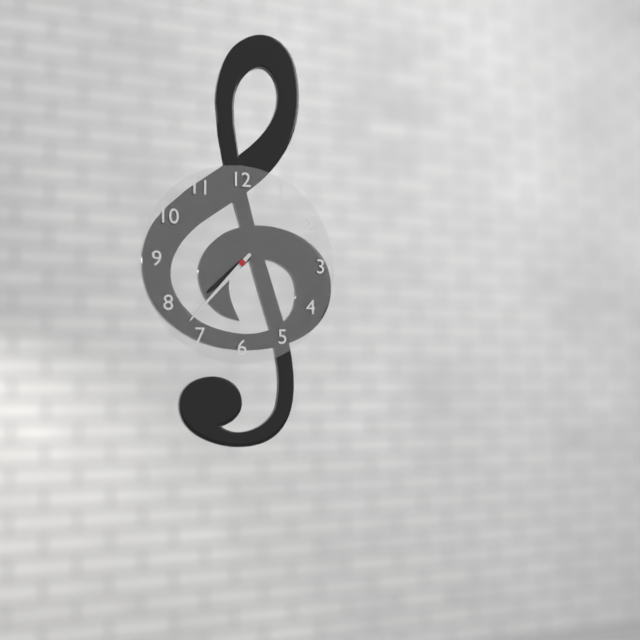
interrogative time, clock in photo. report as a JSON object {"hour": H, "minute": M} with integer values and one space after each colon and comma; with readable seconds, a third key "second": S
{"hour": 7, "minute": 37}
